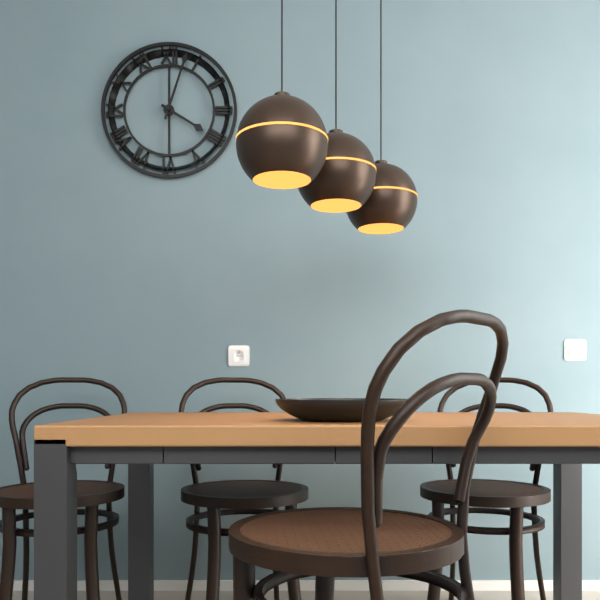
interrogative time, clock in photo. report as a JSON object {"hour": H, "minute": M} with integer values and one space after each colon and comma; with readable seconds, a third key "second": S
{"hour": 4, "minute": 3}
